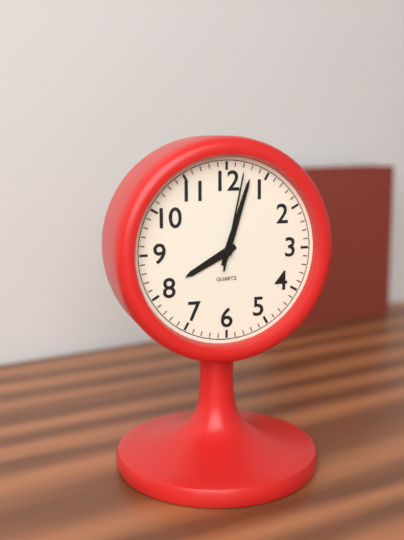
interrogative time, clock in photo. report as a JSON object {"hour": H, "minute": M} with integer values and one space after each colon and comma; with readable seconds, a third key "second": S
{"hour": 8, "minute": 3, "second": 2}
